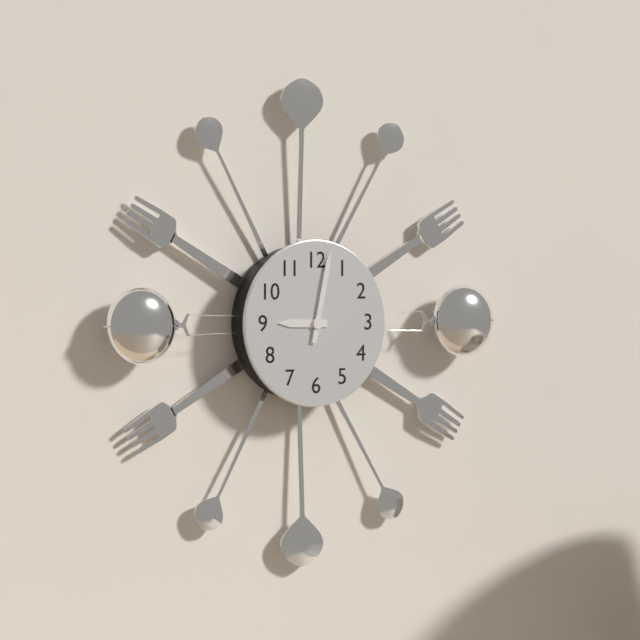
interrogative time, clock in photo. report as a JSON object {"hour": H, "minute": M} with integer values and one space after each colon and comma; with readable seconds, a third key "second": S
{"hour": 9, "minute": 2}
